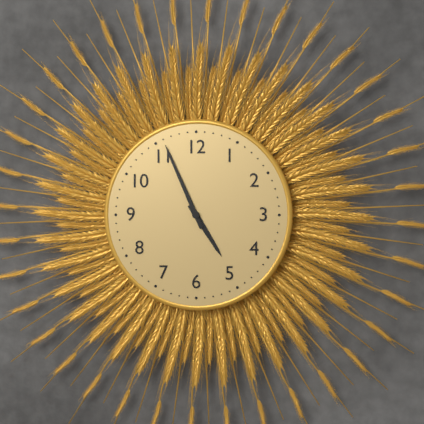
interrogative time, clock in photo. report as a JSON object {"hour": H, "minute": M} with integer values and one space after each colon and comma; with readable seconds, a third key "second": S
{"hour": 4, "minute": 56}
